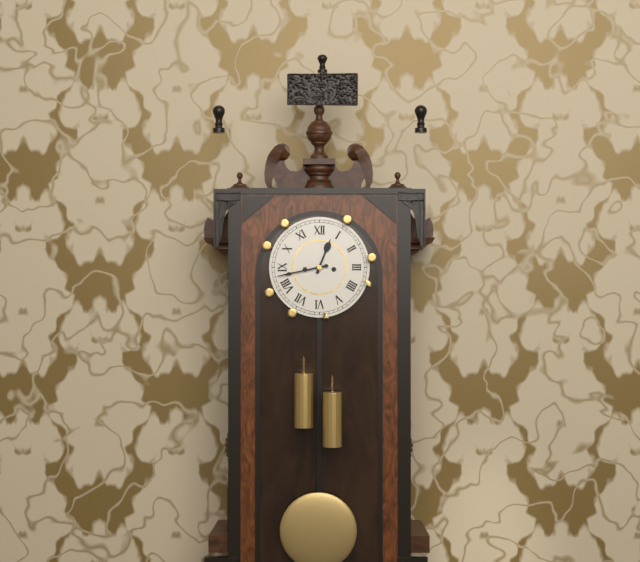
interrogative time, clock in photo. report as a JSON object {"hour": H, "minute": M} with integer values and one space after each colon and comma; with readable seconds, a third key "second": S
{"hour": 12, "minute": 43}
